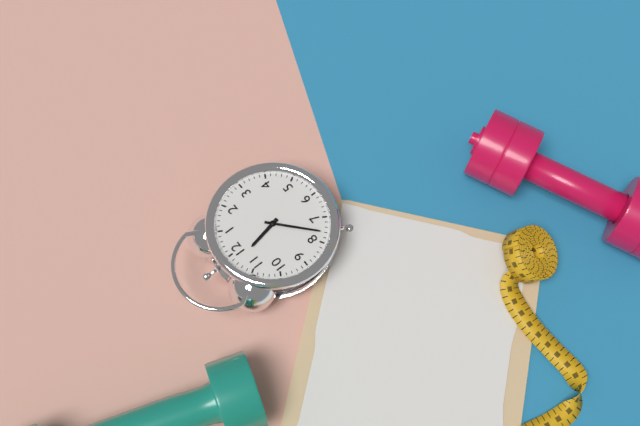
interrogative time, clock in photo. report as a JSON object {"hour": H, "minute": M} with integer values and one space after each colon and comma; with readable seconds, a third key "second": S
{"hour": 11, "minute": 38}
